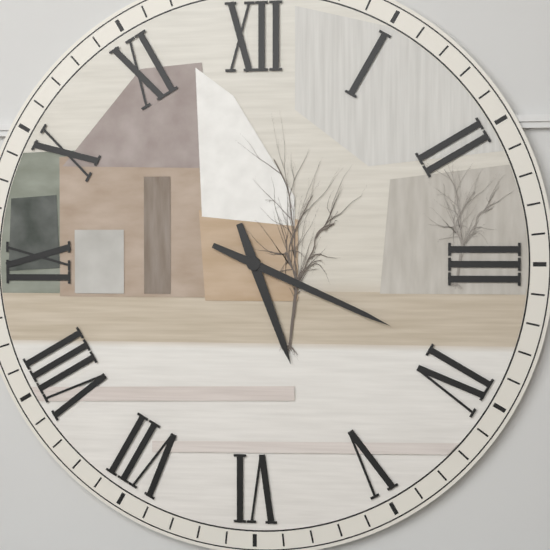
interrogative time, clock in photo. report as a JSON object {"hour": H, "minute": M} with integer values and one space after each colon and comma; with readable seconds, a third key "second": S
{"hour": 5, "minute": 19}
